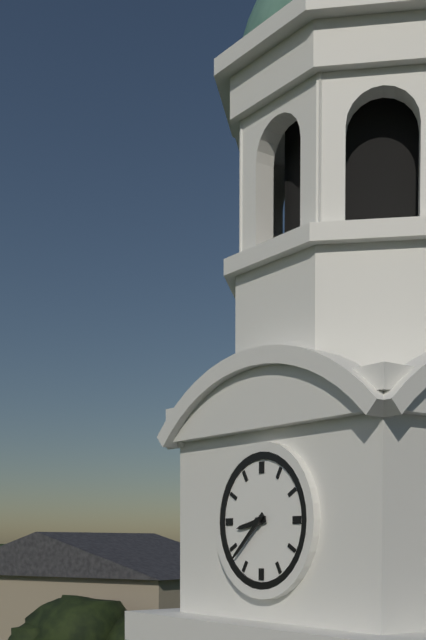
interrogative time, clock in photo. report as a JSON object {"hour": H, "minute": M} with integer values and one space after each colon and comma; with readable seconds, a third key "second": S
{"hour": 8, "minute": 38}
